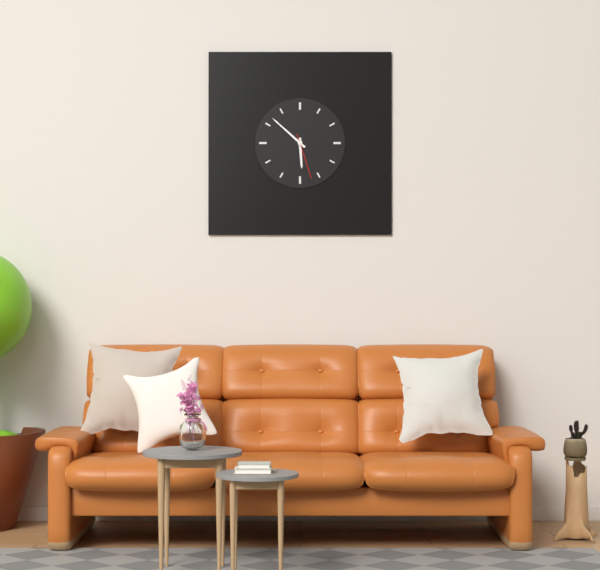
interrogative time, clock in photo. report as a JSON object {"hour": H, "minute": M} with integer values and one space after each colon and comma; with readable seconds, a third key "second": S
{"hour": 5, "minute": 52}
